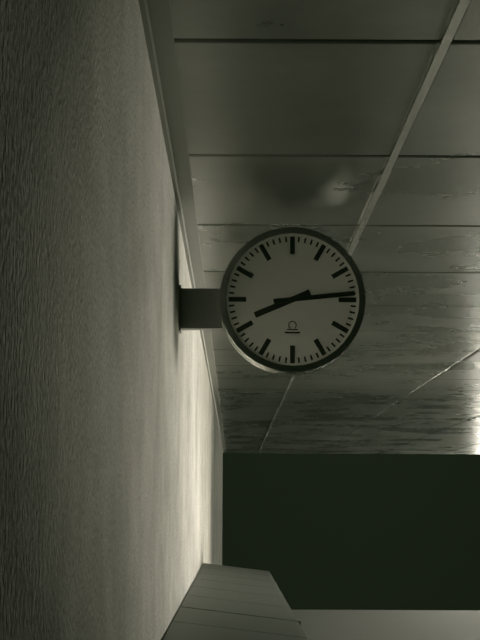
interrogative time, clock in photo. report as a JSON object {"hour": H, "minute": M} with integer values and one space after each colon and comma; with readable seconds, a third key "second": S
{"hour": 8, "minute": 14}
